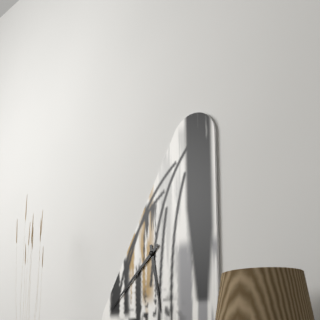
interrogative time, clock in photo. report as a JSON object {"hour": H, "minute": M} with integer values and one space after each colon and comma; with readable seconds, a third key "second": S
{"hour": 5, "minute": 38}
